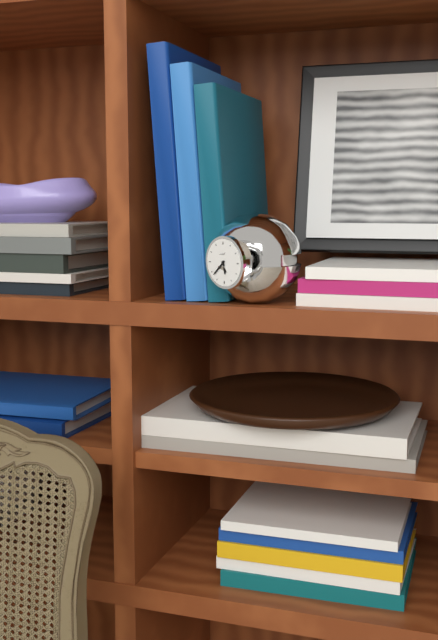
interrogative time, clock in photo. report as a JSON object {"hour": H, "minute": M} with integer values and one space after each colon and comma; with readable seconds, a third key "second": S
{"hour": 5, "minute": 38}
